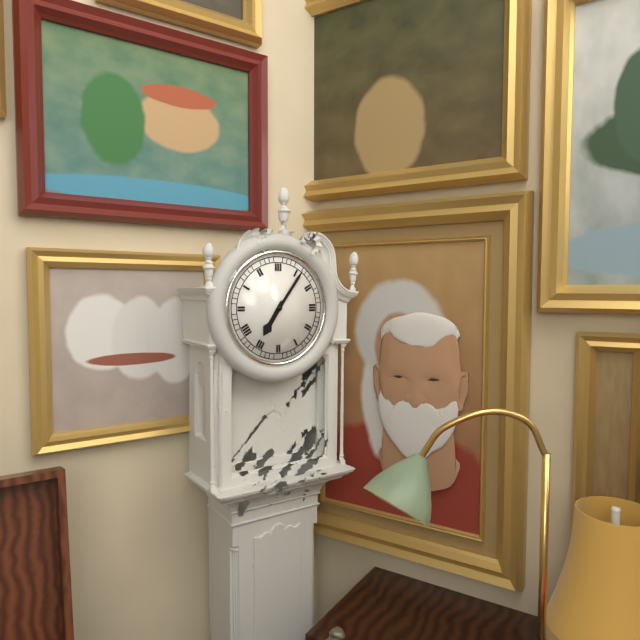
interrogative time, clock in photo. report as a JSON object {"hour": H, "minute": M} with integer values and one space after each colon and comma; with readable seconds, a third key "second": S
{"hour": 7, "minute": 6}
